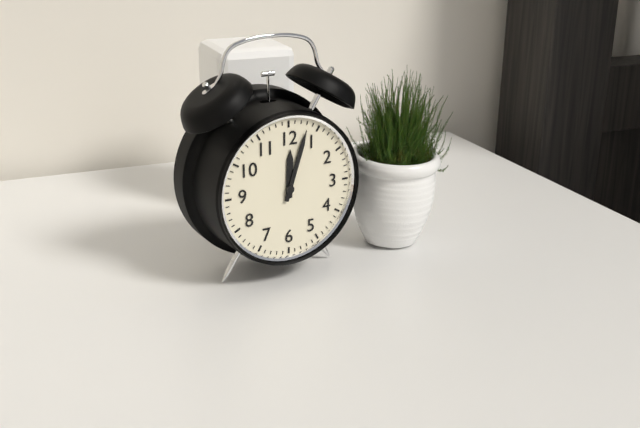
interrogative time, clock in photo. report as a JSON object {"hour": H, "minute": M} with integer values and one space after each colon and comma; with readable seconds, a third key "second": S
{"hour": 12, "minute": 3}
